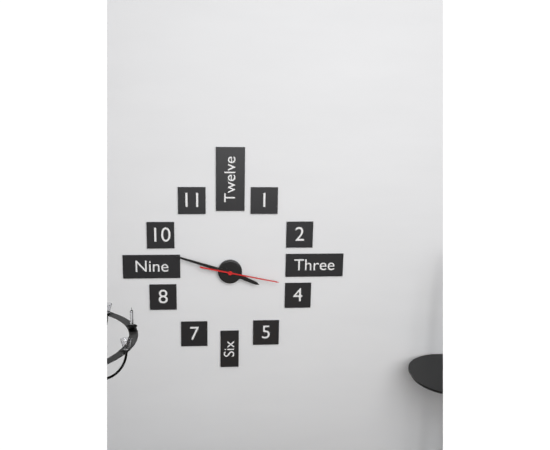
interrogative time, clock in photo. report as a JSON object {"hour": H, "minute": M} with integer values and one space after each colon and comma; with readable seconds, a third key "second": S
{"hour": 3, "minute": 48, "second": 17}
